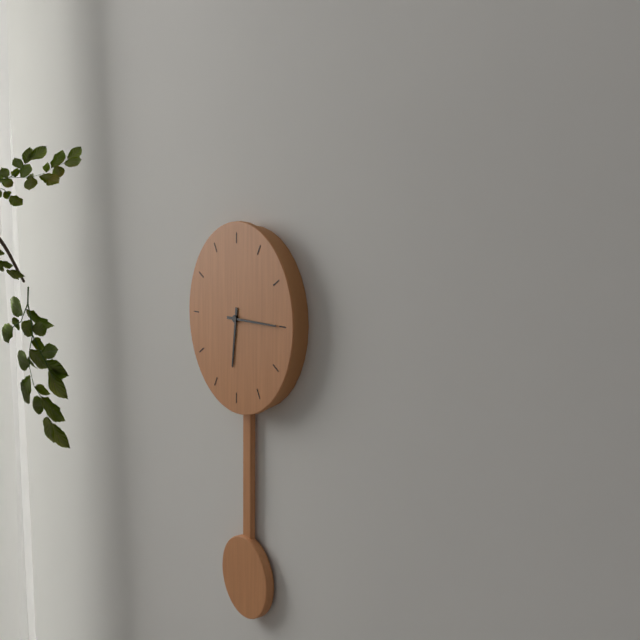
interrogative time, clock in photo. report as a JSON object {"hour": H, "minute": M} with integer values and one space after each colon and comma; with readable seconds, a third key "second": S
{"hour": 6, "minute": 15}
